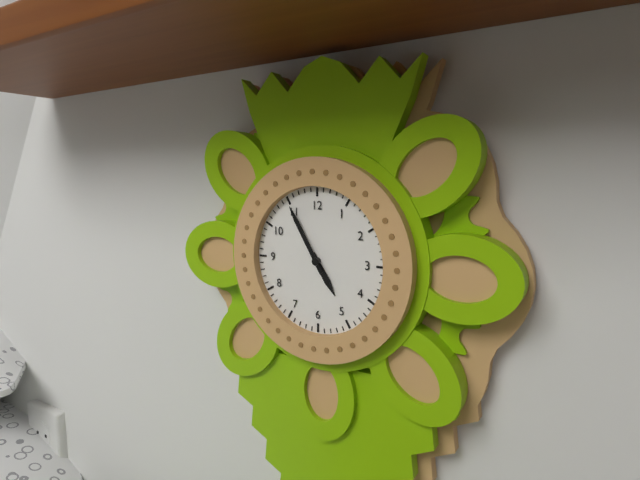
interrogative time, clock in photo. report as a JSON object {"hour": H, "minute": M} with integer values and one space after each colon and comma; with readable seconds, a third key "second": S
{"hour": 4, "minute": 55}
